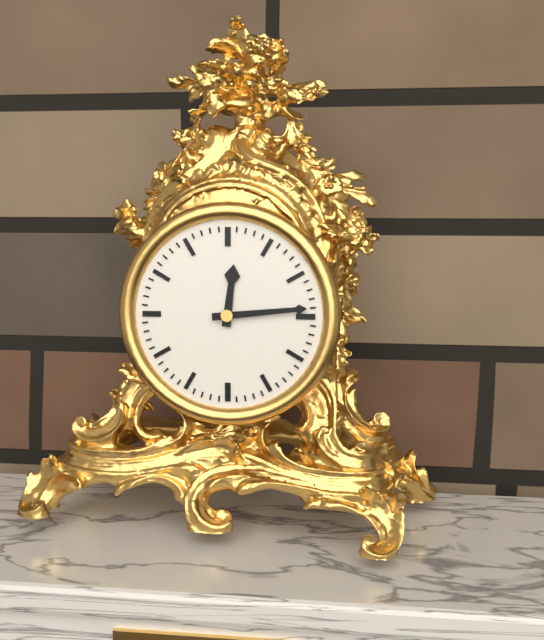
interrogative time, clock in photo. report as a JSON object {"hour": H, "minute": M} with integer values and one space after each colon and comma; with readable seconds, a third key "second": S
{"hour": 12, "minute": 14}
